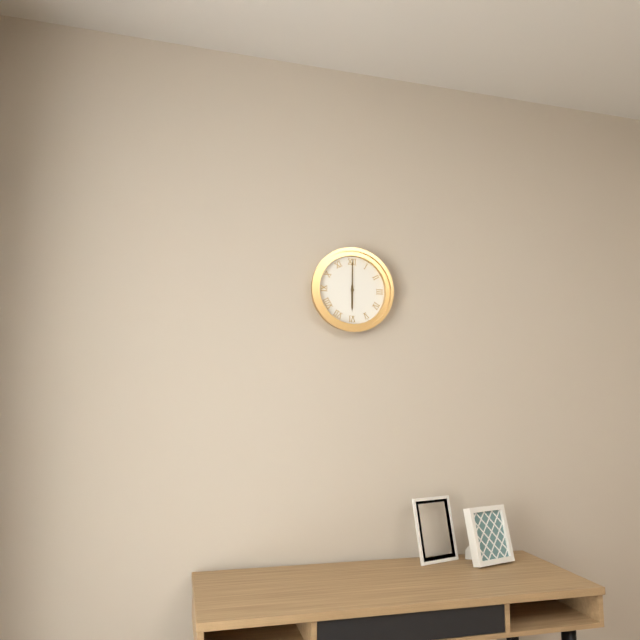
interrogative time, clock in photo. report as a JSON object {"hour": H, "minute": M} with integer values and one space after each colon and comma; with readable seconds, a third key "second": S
{"hour": 6, "minute": 0}
